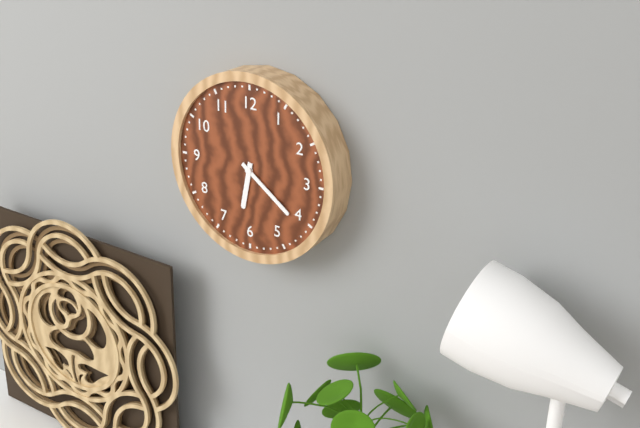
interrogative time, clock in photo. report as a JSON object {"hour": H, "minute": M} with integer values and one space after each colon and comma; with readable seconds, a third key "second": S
{"hour": 6, "minute": 21}
